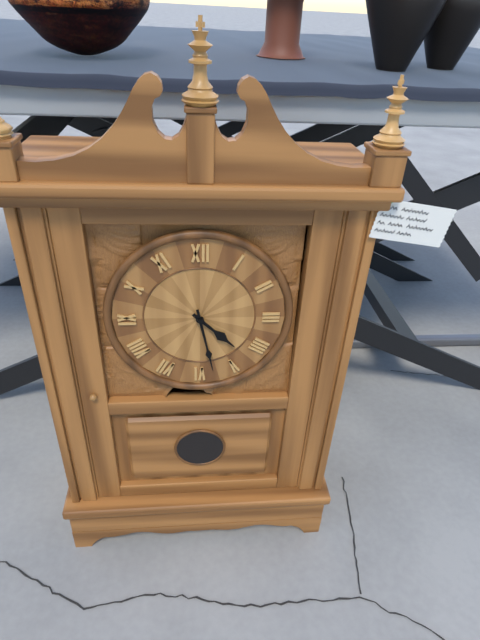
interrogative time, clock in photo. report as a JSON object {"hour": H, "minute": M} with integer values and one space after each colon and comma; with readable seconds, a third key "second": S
{"hour": 4, "minute": 28}
